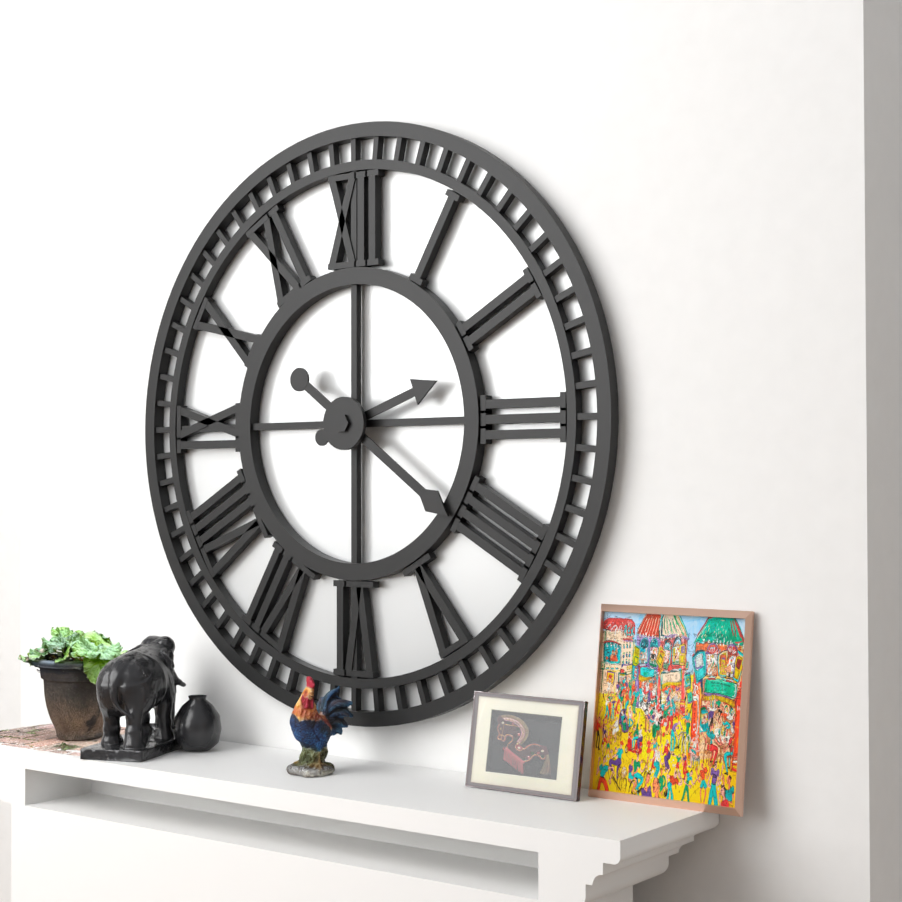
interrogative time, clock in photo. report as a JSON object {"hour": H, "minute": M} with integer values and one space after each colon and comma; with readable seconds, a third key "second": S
{"hour": 2, "minute": 21}
